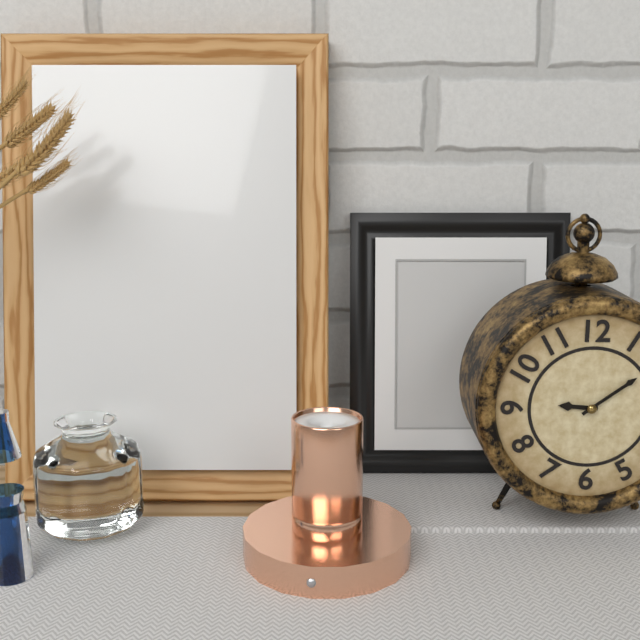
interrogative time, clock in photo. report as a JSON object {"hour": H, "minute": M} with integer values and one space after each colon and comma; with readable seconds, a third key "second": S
{"hour": 9, "minute": 9}
